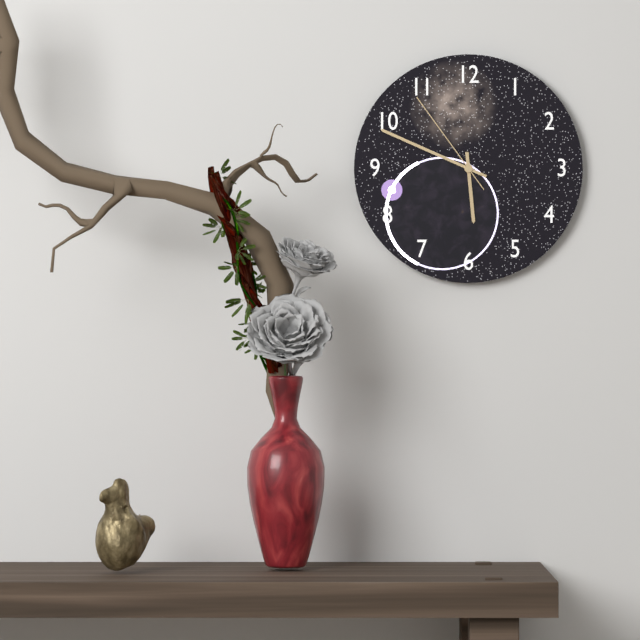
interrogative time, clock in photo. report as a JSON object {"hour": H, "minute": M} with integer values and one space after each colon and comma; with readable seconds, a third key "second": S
{"hour": 5, "minute": 49, "second": 54}
